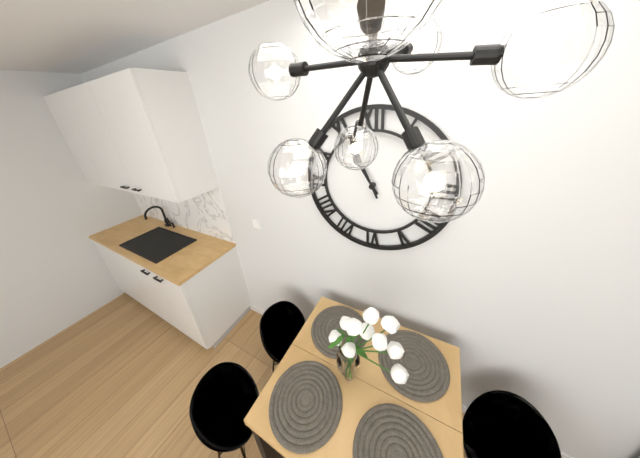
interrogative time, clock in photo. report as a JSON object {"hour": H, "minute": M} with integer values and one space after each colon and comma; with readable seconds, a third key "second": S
{"hour": 10, "minute": 56}
